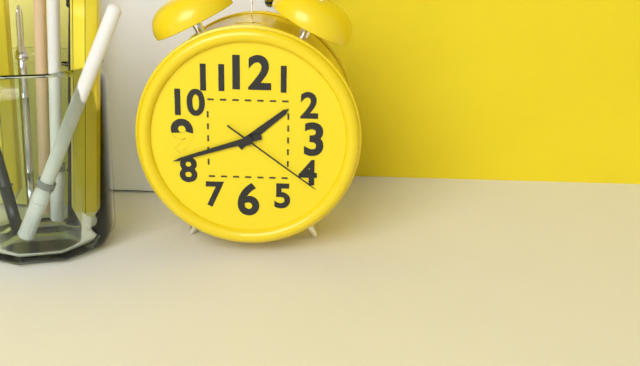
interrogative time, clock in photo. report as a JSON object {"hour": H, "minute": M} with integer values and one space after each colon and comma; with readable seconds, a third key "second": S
{"hour": 1, "minute": 42, "second": 21}
